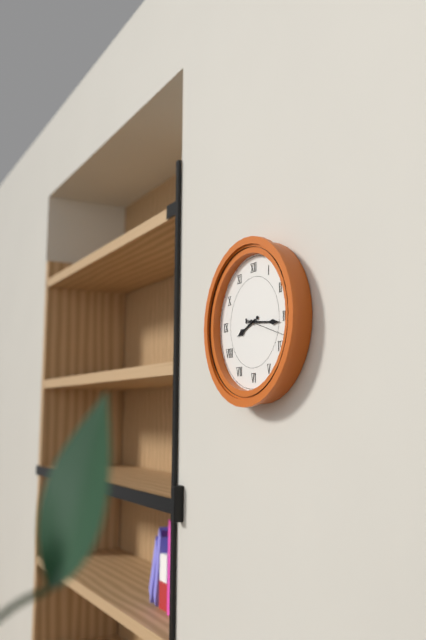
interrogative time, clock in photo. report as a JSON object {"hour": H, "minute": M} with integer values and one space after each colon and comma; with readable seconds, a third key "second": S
{"hour": 8, "minute": 16}
